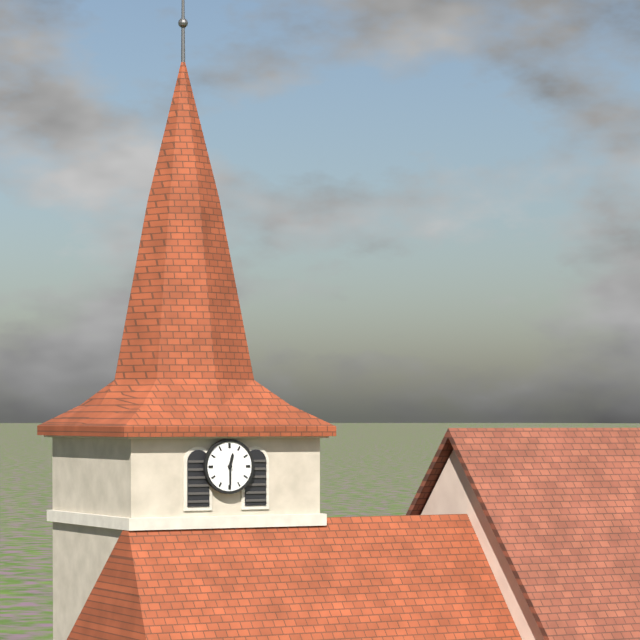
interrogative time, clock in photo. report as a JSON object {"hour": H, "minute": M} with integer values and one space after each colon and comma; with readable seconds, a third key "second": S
{"hour": 12, "minute": 30}
